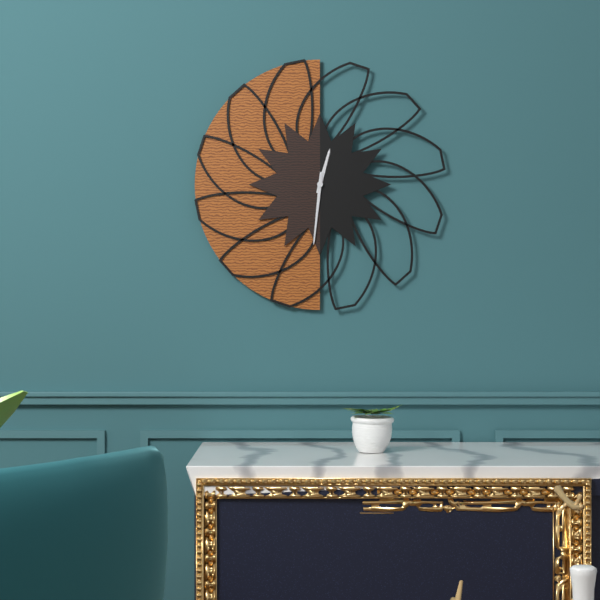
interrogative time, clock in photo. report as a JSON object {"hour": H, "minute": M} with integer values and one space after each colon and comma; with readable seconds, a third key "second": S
{"hour": 12, "minute": 31}
